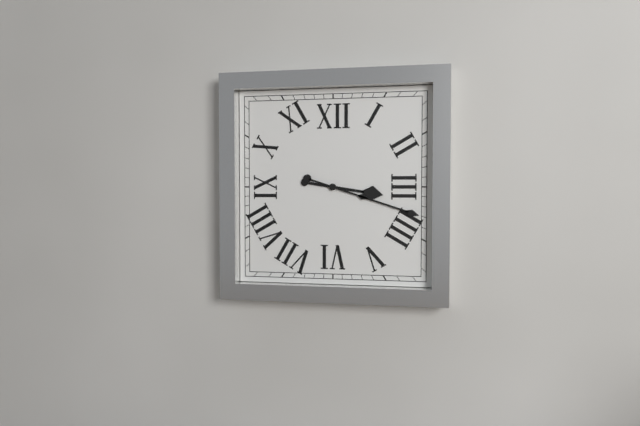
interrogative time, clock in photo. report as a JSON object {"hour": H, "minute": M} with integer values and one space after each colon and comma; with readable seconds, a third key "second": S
{"hour": 3, "minute": 18}
